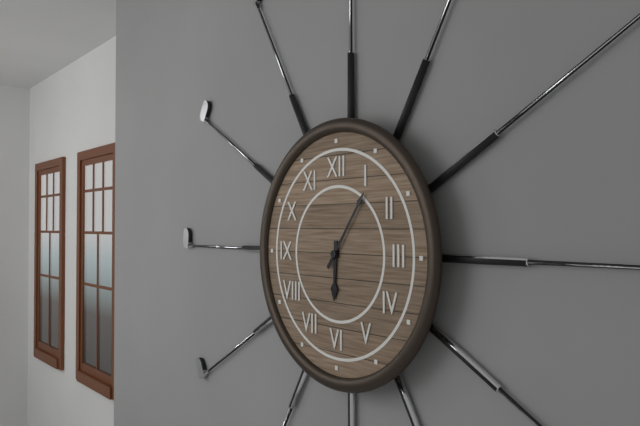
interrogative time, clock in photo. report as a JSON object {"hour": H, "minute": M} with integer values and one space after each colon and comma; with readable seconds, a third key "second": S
{"hour": 6, "minute": 6}
